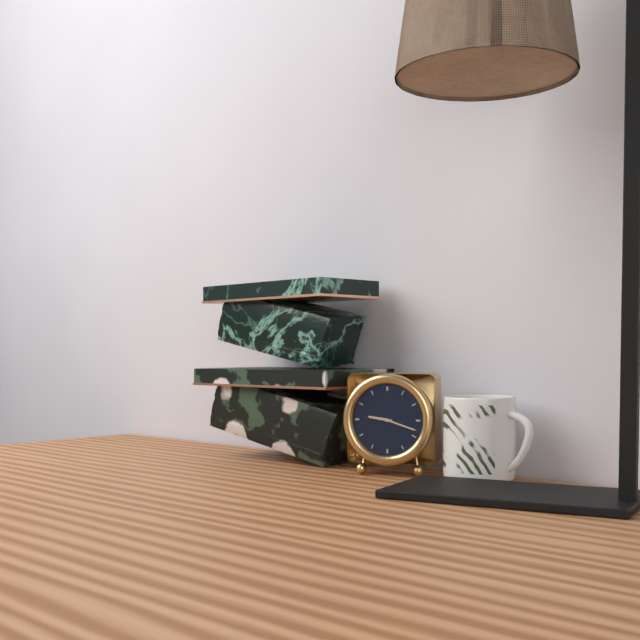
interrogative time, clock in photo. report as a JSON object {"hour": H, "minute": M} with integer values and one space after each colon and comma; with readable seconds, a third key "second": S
{"hour": 9, "minute": 18}
